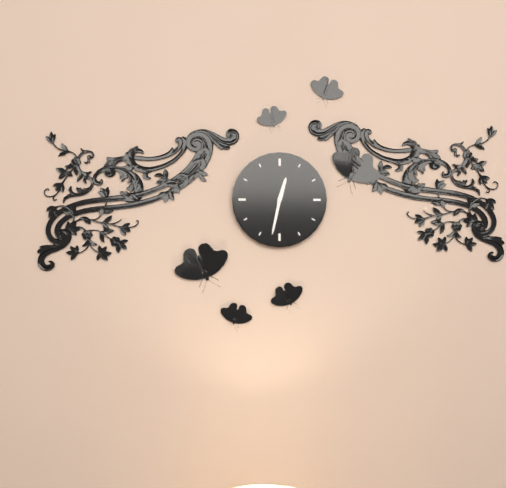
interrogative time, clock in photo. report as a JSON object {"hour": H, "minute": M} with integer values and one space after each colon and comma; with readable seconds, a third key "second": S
{"hour": 12, "minute": 32}
